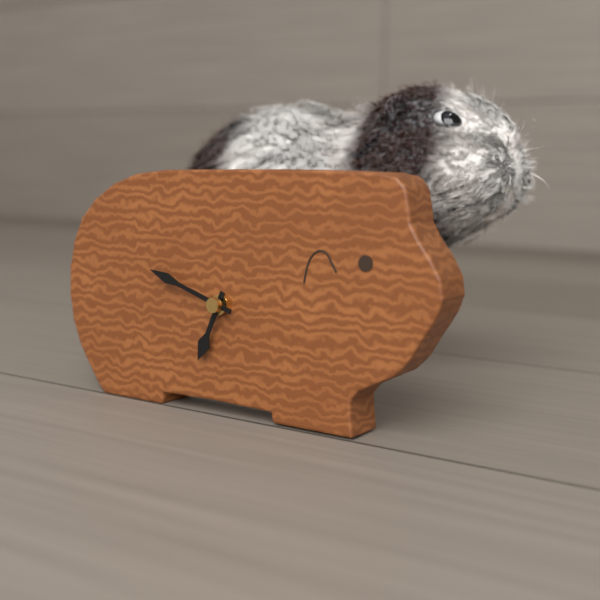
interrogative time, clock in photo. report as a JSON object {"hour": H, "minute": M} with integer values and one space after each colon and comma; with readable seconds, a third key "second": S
{"hour": 6, "minute": 48}
